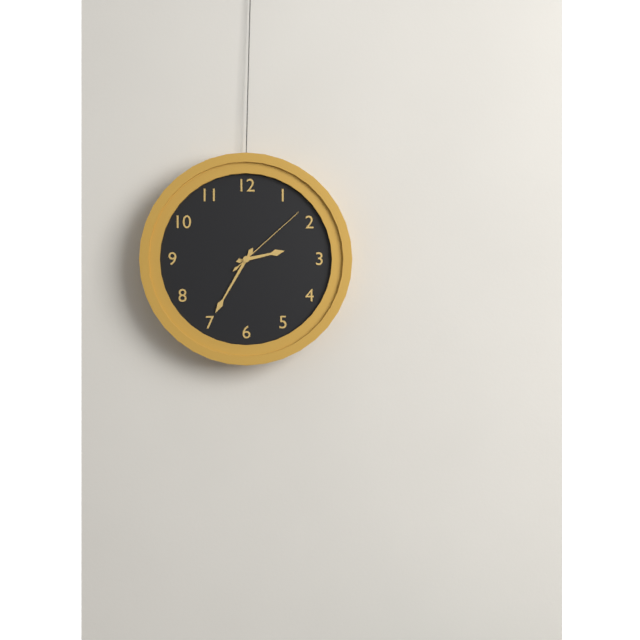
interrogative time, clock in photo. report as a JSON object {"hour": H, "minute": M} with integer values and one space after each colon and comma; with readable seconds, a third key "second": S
{"hour": 2, "minute": 35, "second": 8}
